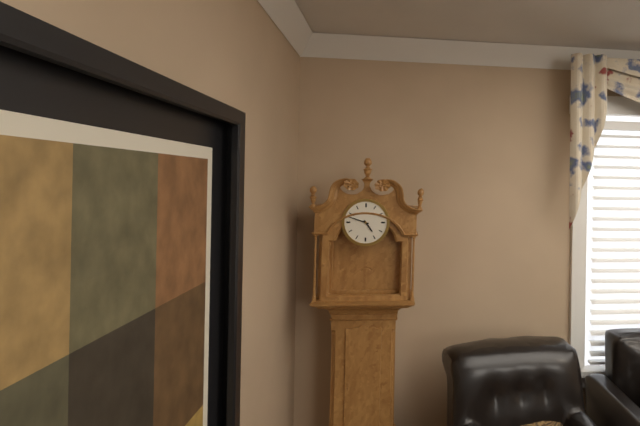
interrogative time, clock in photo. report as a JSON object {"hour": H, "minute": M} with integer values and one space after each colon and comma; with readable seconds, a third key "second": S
{"hour": 4, "minute": 48}
